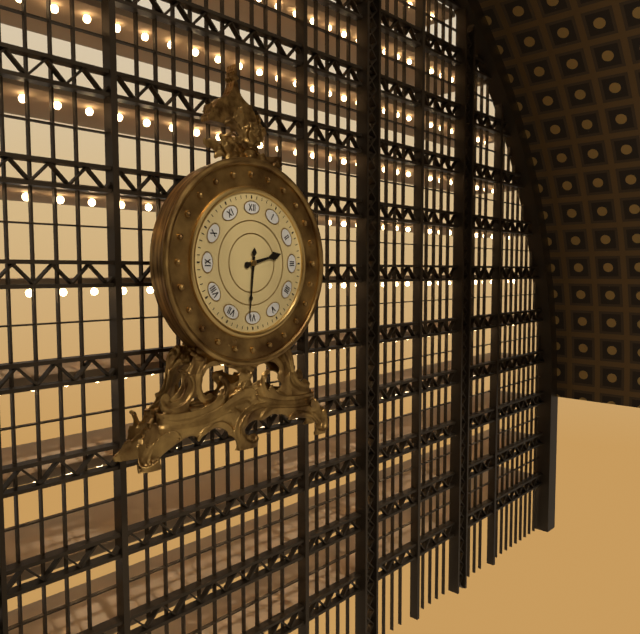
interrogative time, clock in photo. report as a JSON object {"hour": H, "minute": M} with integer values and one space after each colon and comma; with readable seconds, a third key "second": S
{"hour": 2, "minute": 31}
